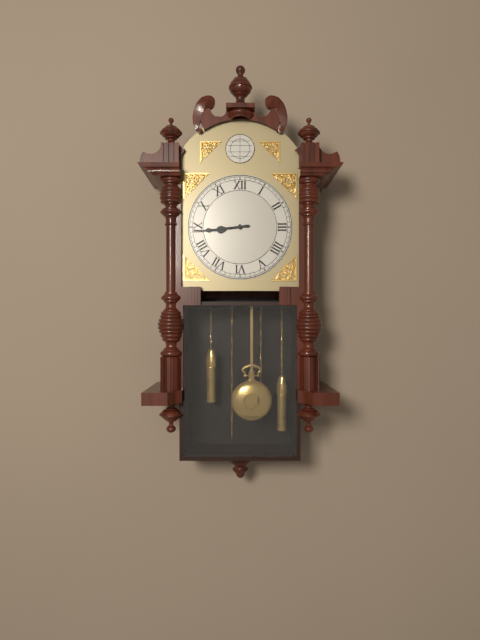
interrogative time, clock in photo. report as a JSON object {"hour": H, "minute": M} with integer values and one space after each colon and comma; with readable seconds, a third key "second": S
{"hour": 8, "minute": 44}
